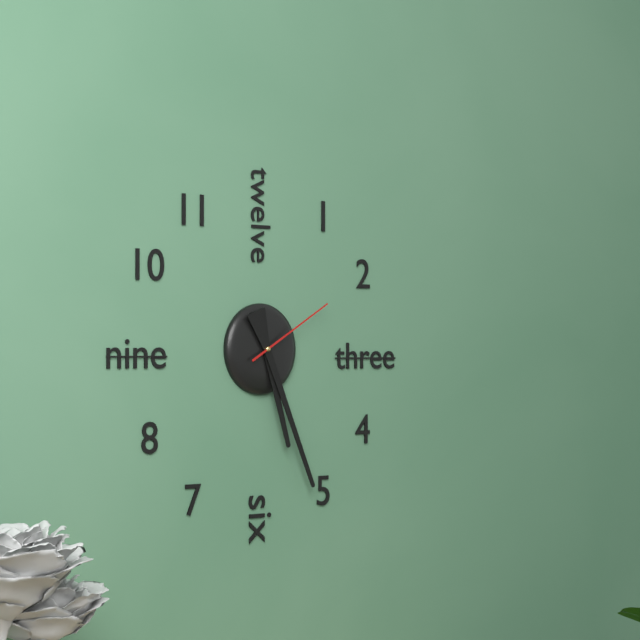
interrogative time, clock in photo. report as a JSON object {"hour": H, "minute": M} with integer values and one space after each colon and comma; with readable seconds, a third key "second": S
{"hour": 5, "minute": 26, "second": 10}
